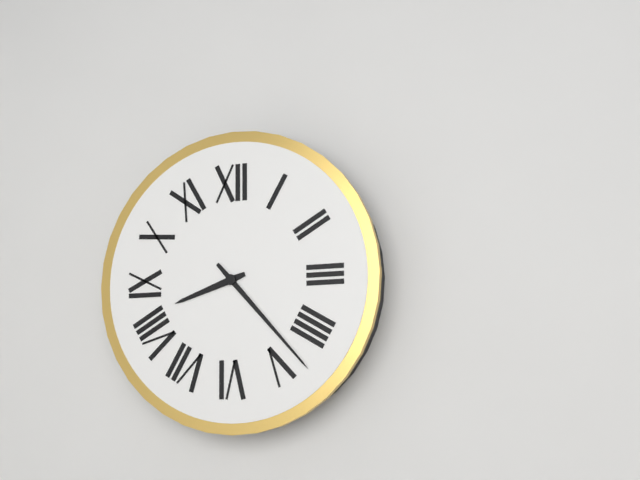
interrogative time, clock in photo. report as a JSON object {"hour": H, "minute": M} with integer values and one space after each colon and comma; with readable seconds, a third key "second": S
{"hour": 8, "minute": 23}
